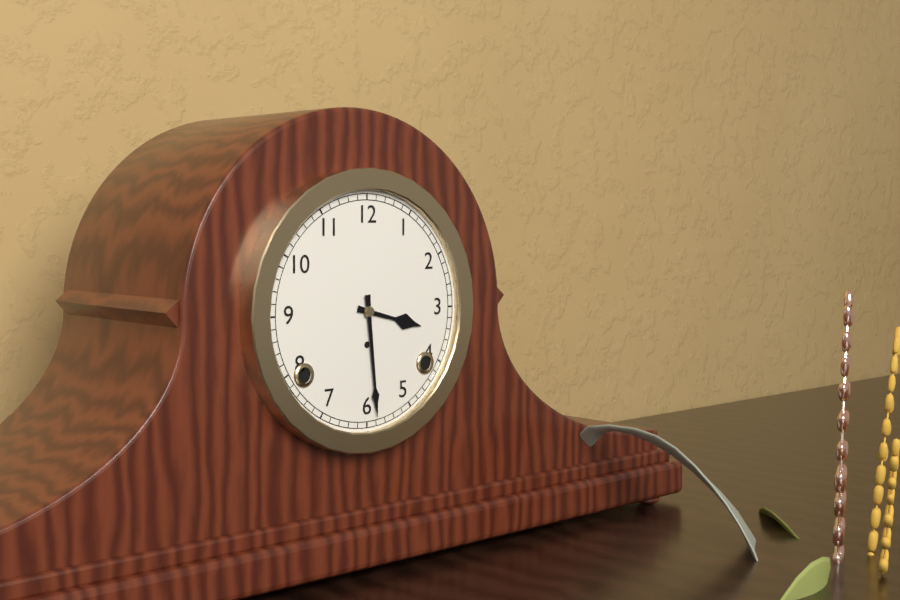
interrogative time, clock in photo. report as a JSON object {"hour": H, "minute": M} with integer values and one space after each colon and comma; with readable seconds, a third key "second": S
{"hour": 3, "minute": 29}
